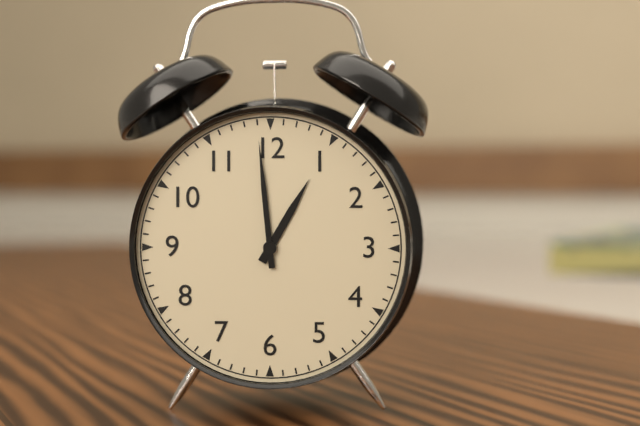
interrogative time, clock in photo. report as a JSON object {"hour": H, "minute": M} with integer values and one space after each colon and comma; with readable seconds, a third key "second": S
{"hour": 12, "minute": 59}
